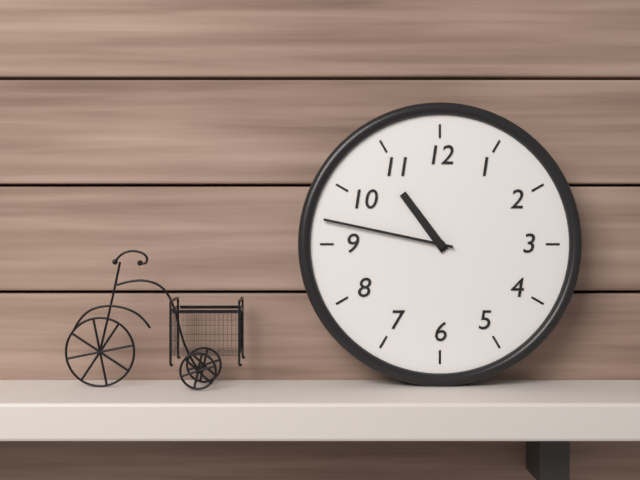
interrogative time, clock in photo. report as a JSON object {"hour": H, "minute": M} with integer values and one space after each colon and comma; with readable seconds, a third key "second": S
{"hour": 10, "minute": 47}
